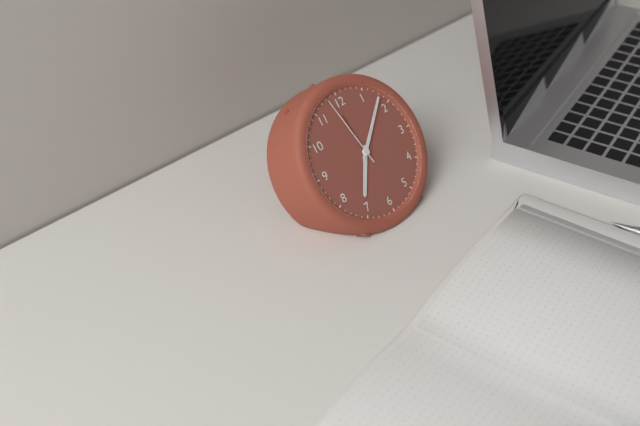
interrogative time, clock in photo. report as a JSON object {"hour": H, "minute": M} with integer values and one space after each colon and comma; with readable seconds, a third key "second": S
{"hour": 7, "minute": 8, "second": 58}
